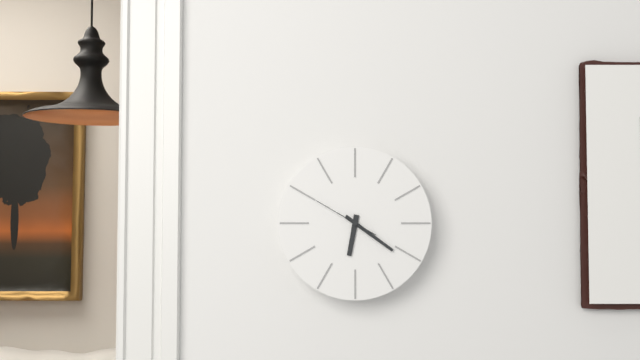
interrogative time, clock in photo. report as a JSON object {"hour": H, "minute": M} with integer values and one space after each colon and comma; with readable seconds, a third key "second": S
{"hour": 6, "minute": 21, "second": 50}
